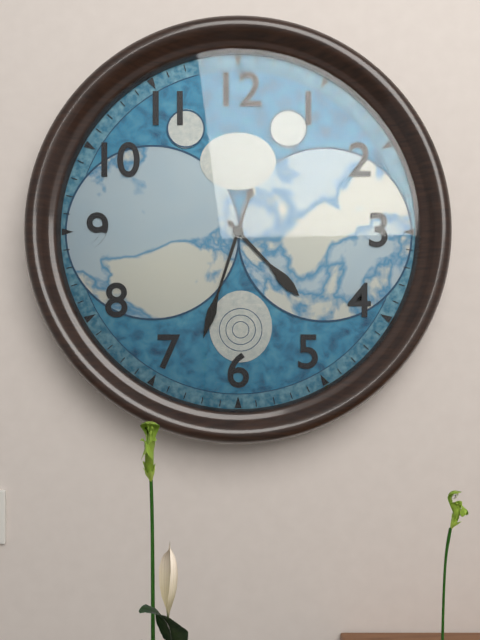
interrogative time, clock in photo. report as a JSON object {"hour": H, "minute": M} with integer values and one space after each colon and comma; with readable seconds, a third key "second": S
{"hour": 4, "minute": 33}
